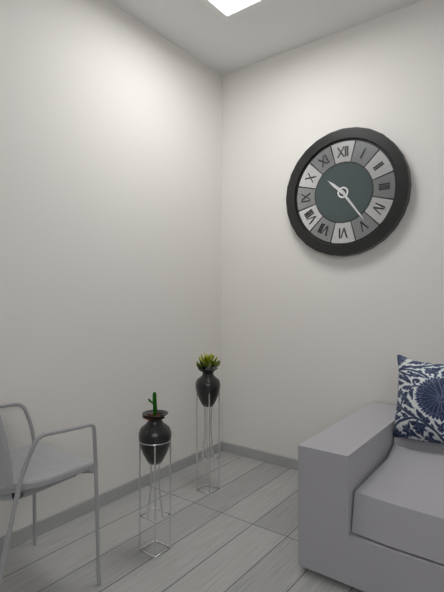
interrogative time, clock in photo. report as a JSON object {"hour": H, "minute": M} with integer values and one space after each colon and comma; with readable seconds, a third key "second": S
{"hour": 10, "minute": 24}
